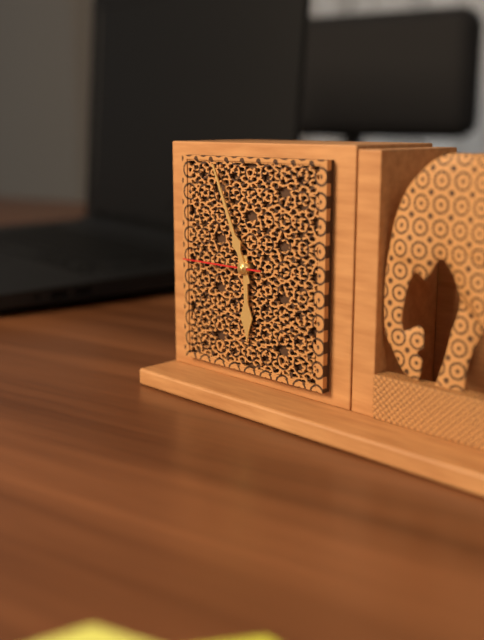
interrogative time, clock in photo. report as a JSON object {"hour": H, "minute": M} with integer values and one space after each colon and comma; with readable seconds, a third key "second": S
{"hour": 5, "minute": 56, "second": 45}
